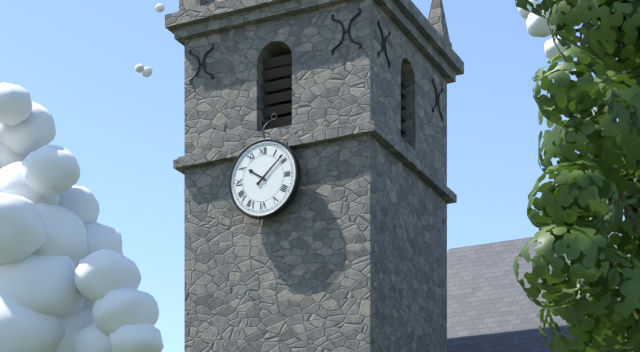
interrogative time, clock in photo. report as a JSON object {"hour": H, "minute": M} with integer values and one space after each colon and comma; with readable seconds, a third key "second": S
{"hour": 10, "minute": 8}
